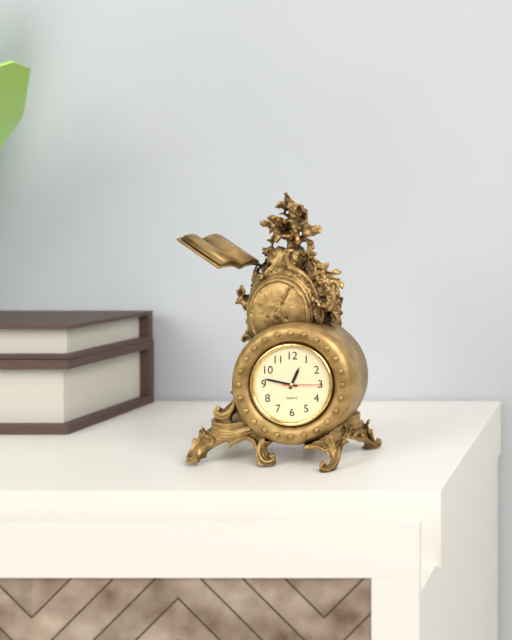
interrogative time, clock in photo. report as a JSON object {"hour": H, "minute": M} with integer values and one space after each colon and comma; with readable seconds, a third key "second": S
{"hour": 12, "minute": 47}
